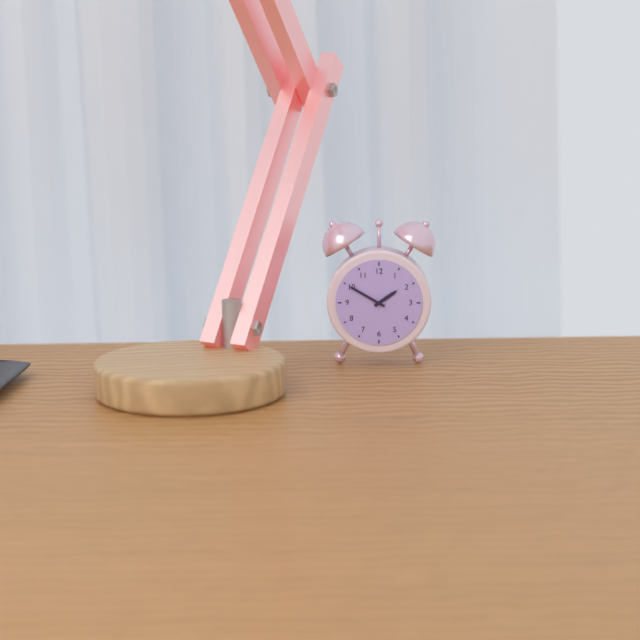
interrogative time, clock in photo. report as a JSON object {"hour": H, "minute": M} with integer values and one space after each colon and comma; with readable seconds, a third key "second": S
{"hour": 1, "minute": 50}
